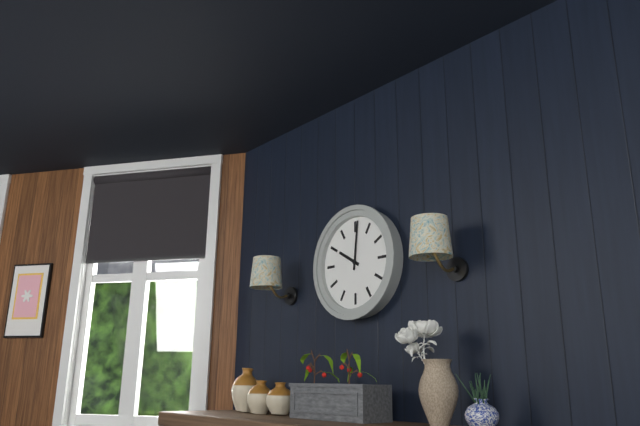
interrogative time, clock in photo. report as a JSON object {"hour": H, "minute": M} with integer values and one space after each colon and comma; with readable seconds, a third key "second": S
{"hour": 10, "minute": 1}
